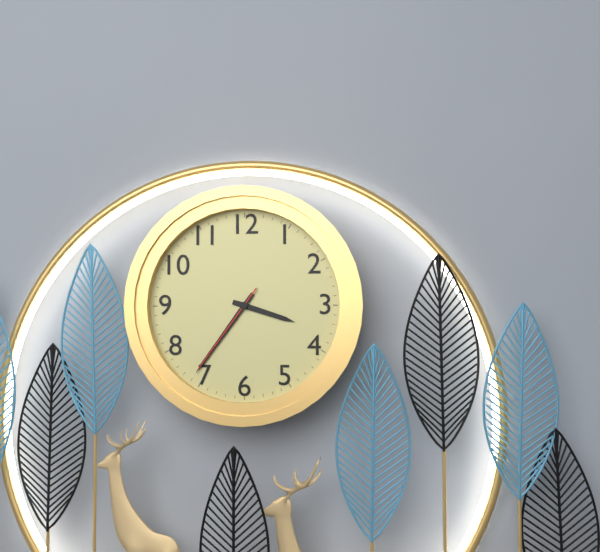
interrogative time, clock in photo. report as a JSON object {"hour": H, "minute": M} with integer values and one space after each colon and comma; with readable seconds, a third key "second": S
{"hour": 3, "minute": 36, "second": 36}
